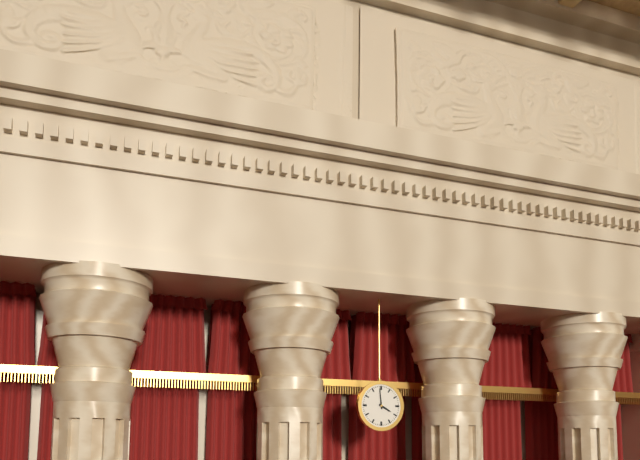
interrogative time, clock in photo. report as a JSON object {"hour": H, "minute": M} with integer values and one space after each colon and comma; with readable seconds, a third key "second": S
{"hour": 3, "minute": 59}
